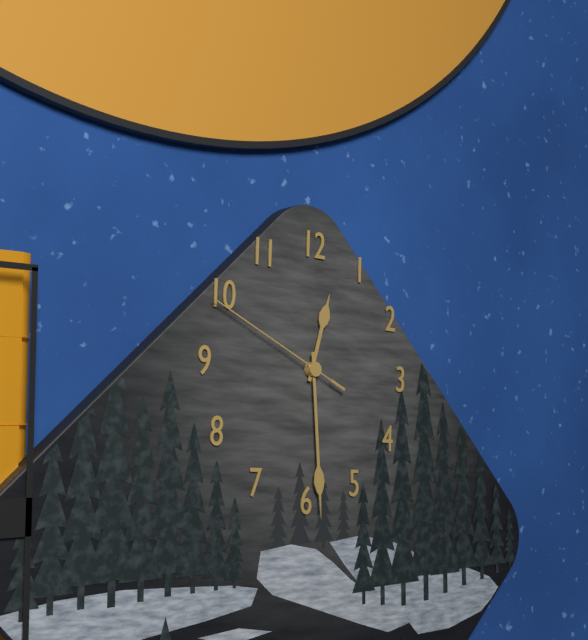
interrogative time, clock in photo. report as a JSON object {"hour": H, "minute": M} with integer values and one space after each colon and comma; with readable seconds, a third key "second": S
{"hour": 12, "minute": 29, "second": 49}
